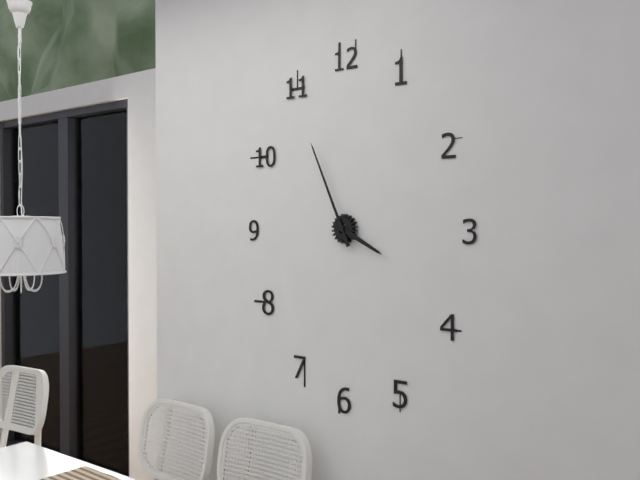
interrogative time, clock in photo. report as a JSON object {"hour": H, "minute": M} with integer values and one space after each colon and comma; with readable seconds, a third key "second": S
{"hour": 3, "minute": 56}
